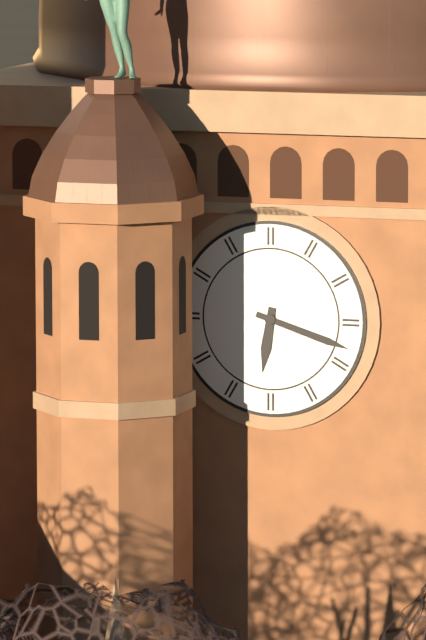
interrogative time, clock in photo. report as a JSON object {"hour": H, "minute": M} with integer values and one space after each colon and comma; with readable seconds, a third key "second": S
{"hour": 6, "minute": 18}
